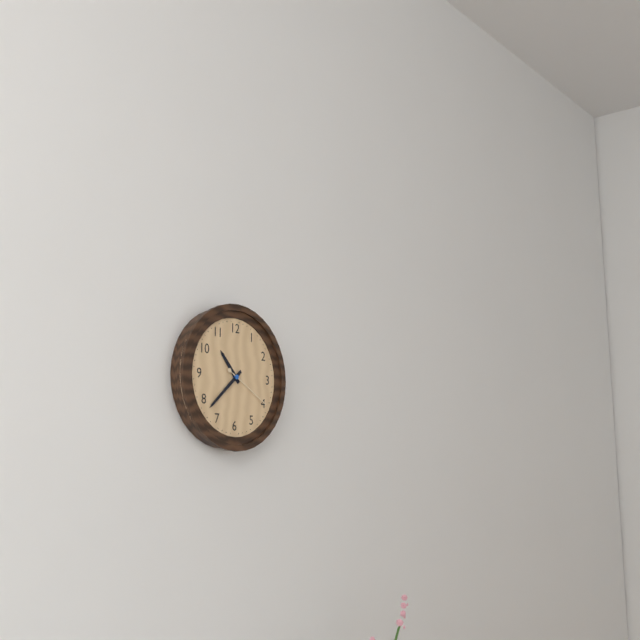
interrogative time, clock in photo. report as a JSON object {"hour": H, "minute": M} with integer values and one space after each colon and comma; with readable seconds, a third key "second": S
{"hour": 10, "minute": 38}
